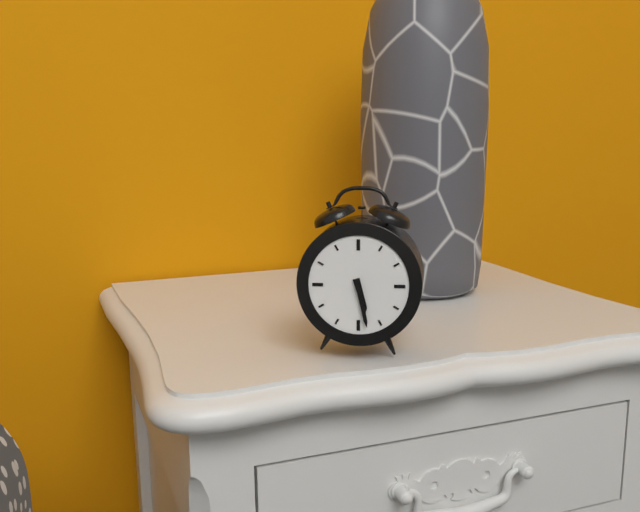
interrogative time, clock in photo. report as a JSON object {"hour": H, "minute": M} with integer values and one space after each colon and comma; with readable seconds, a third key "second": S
{"hour": 5, "minute": 28}
